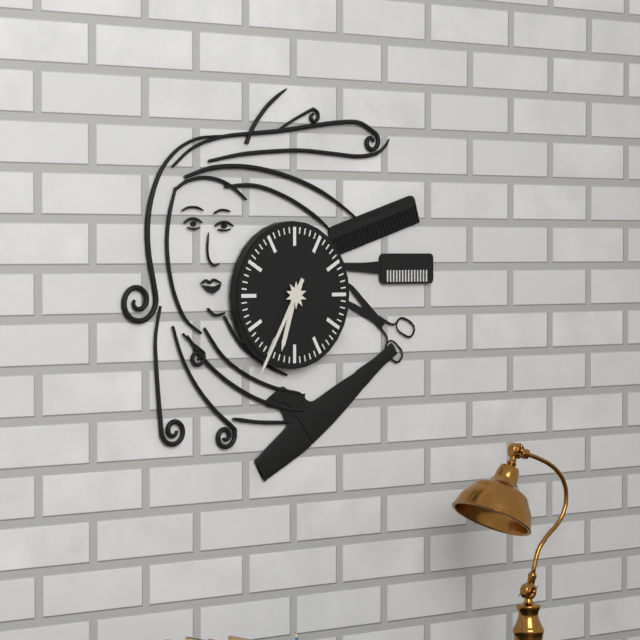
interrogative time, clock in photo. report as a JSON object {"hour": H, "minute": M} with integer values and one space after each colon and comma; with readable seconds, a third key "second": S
{"hour": 6, "minute": 35}
